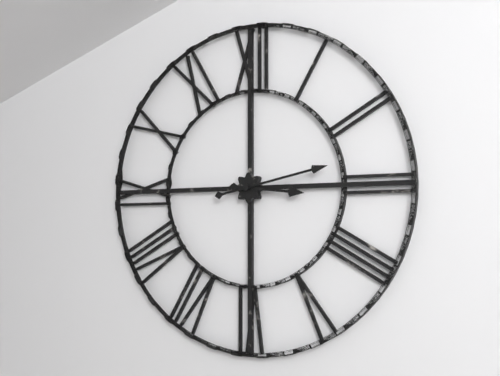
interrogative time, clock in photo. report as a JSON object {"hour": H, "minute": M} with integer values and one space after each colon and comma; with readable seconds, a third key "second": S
{"hour": 3, "minute": 13}
